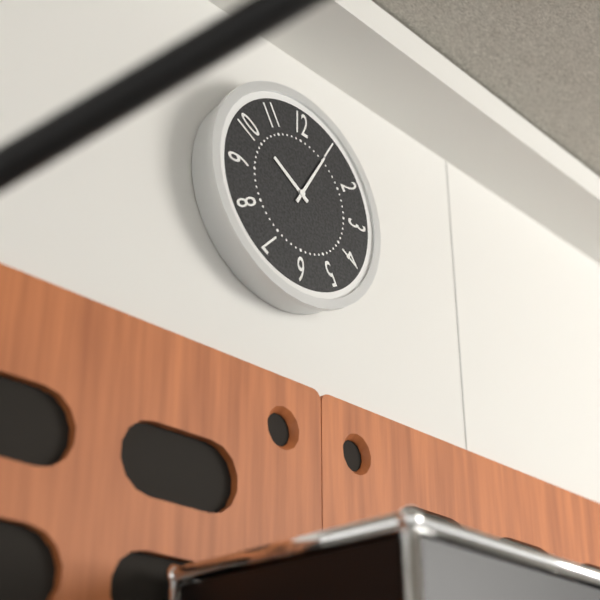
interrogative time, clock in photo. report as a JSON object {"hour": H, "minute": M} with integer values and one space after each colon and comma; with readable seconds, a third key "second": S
{"hour": 10, "minute": 5}
